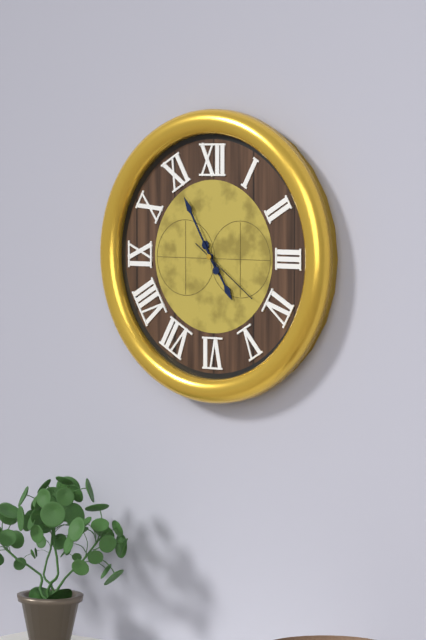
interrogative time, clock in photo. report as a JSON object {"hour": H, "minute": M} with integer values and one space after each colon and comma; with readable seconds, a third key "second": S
{"hour": 4, "minute": 55, "second": 21}
